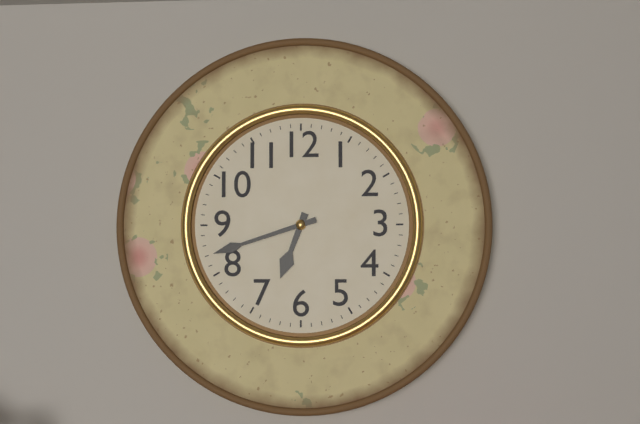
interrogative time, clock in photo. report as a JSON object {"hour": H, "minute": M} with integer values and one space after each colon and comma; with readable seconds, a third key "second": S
{"hour": 6, "minute": 42}
